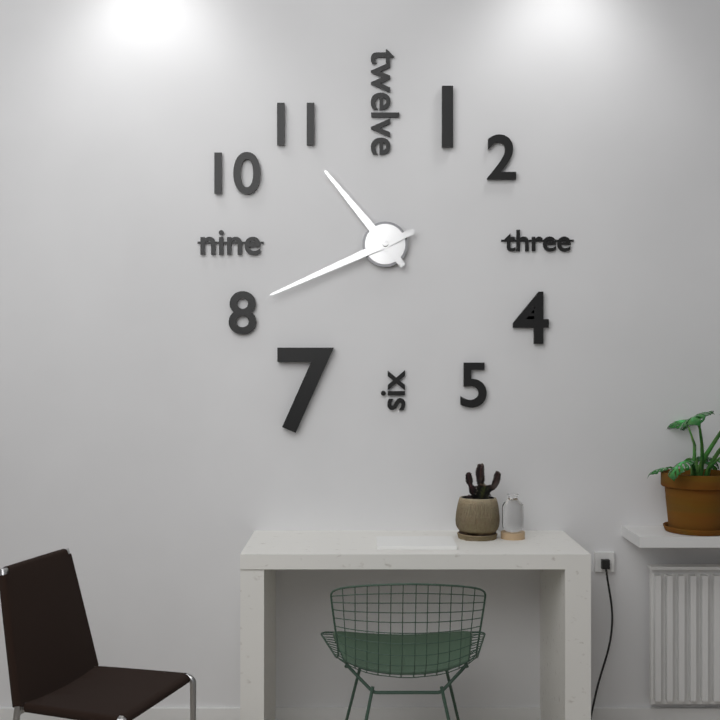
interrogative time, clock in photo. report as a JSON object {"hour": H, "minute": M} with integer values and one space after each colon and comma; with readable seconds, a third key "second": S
{"hour": 10, "minute": 41}
